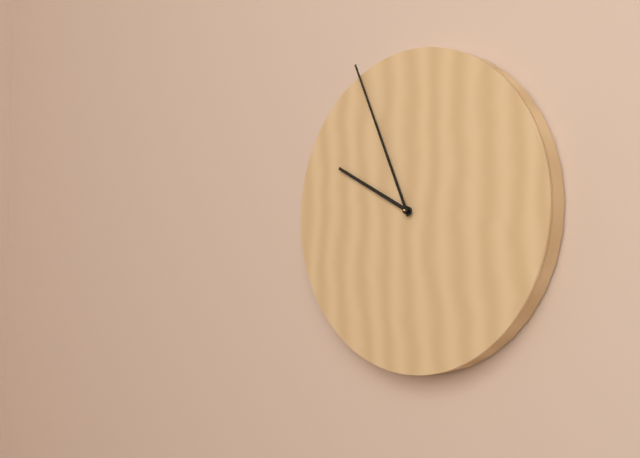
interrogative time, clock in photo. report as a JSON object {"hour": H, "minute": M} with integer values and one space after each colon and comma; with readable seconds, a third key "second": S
{"hour": 9, "minute": 56}
